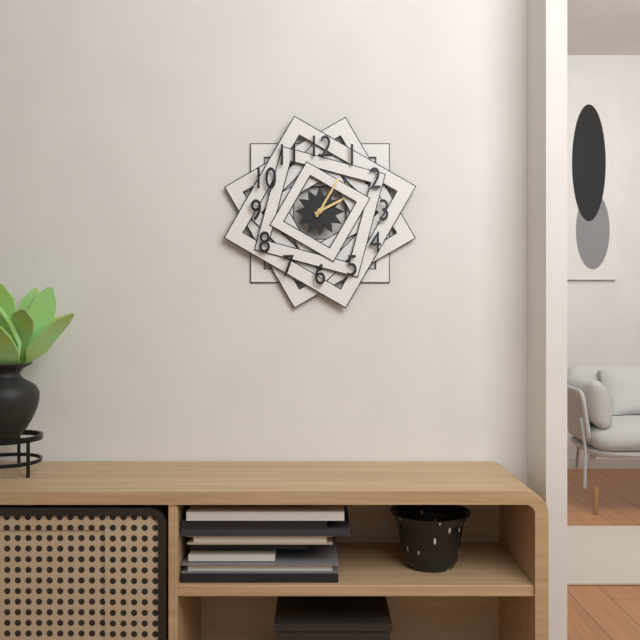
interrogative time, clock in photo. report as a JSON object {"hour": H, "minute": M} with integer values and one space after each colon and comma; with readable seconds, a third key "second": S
{"hour": 2, "minute": 5}
